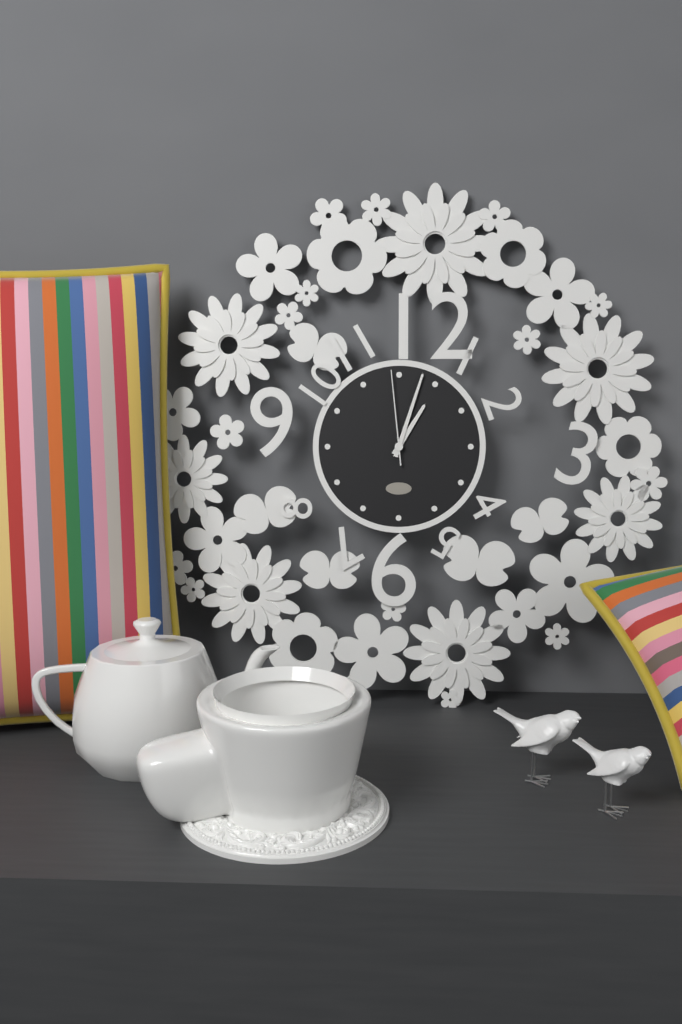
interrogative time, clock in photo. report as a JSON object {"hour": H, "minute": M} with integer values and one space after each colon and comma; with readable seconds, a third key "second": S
{"hour": 1, "minute": 3, "second": 59}
